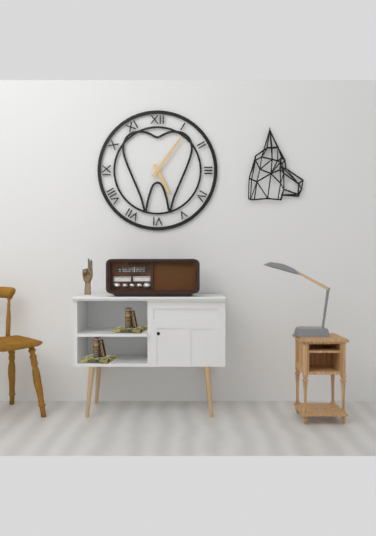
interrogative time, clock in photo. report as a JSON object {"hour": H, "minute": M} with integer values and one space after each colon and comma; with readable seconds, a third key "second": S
{"hour": 5, "minute": 6}
